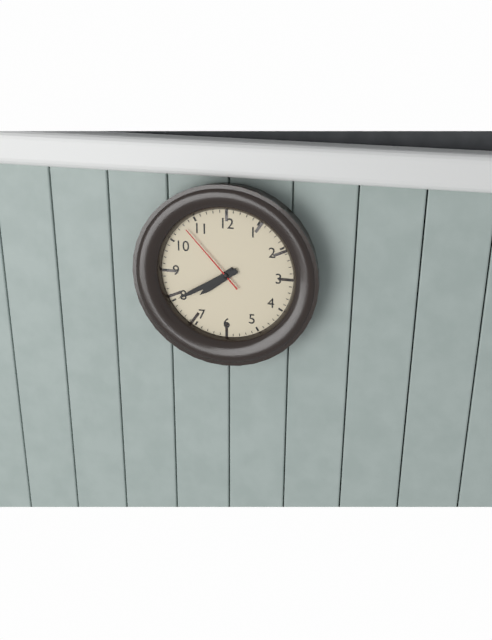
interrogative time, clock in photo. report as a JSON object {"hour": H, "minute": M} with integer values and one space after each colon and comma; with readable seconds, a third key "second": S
{"hour": 7, "minute": 40, "second": 53}
